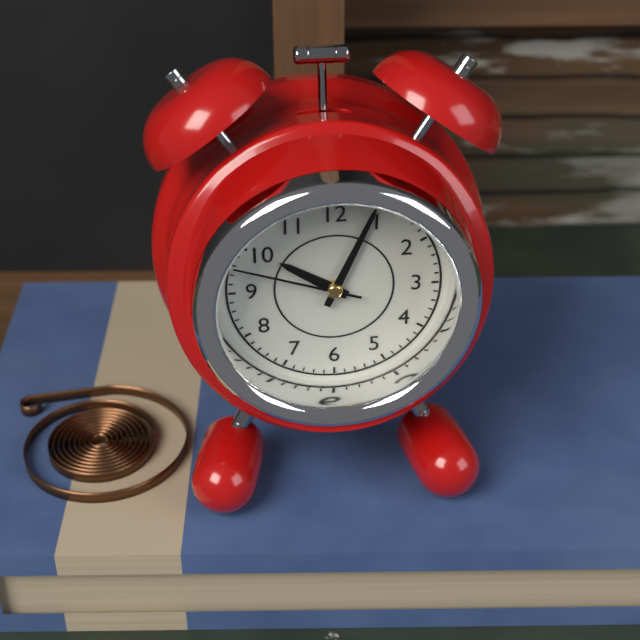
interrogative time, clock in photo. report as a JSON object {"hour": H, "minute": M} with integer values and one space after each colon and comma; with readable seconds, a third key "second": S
{"hour": 10, "minute": 4, "second": 48}
